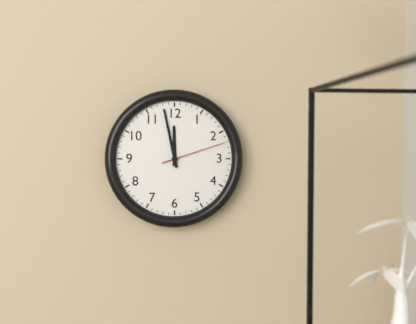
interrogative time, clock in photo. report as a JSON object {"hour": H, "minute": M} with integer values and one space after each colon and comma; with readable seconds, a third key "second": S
{"hour": 11, "minute": 58, "second": 12}
